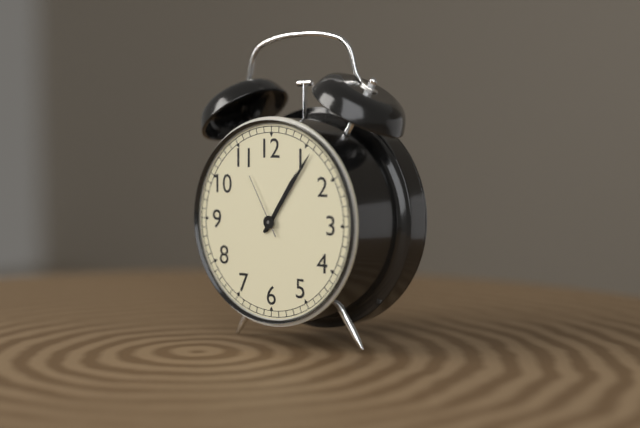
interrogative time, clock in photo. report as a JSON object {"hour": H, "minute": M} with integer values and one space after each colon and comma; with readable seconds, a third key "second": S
{"hour": 1, "minute": 6, "second": 55}
